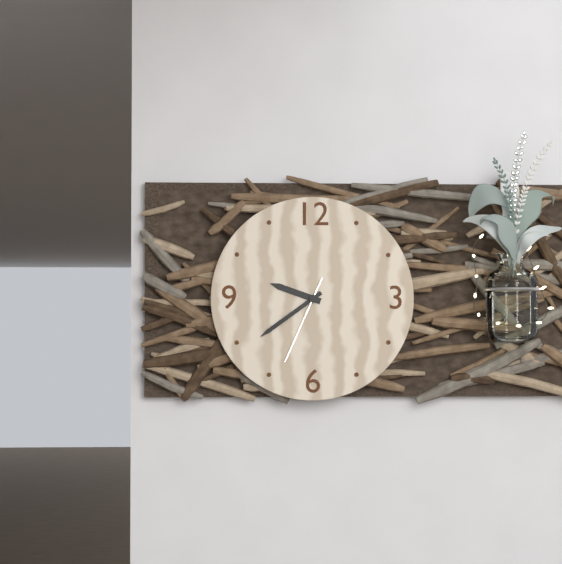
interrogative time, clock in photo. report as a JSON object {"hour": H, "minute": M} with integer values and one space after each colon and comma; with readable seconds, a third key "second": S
{"hour": 9, "minute": 39, "second": 34}
